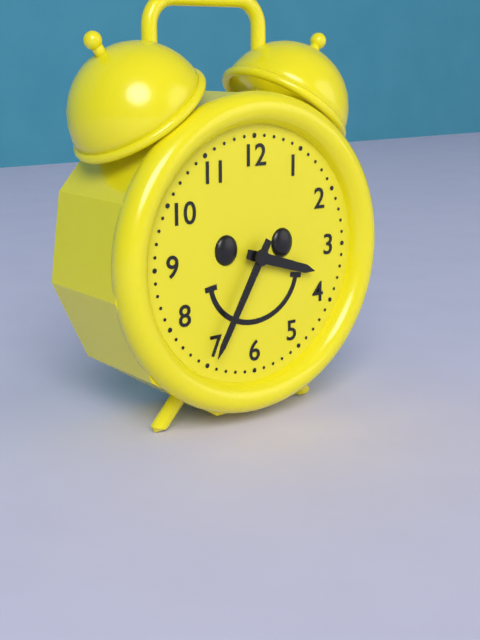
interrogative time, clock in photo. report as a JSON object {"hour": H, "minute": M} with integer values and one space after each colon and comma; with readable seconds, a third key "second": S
{"hour": 3, "minute": 35}
